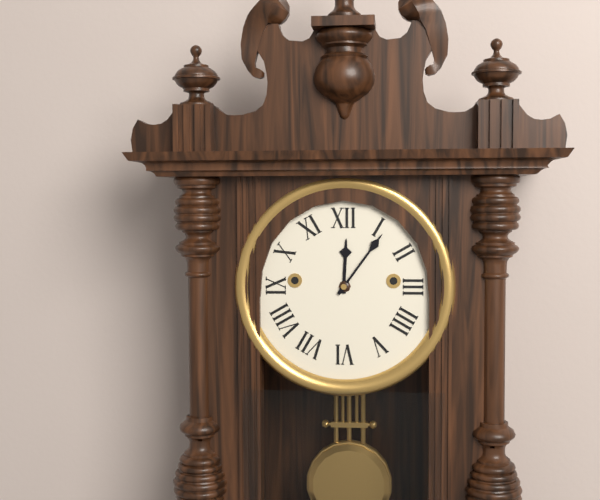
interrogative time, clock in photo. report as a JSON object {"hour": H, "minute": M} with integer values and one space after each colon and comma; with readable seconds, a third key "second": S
{"hour": 12, "minute": 6}
